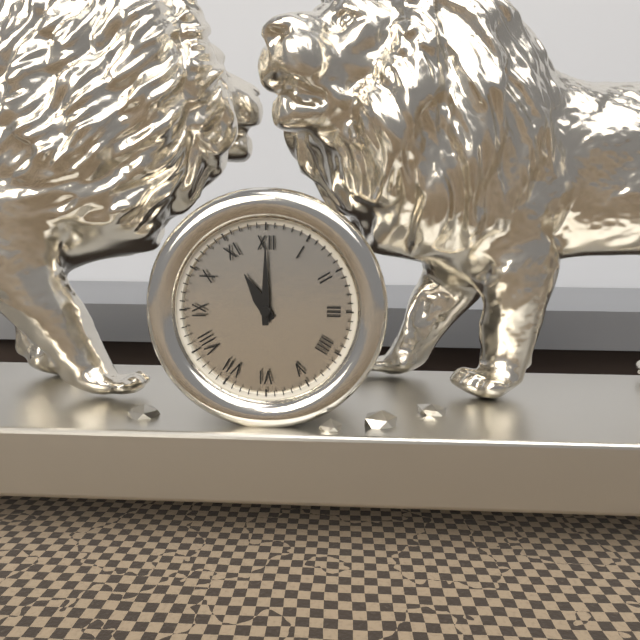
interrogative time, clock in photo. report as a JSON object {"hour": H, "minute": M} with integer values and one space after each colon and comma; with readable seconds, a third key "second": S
{"hour": 11, "minute": 0}
